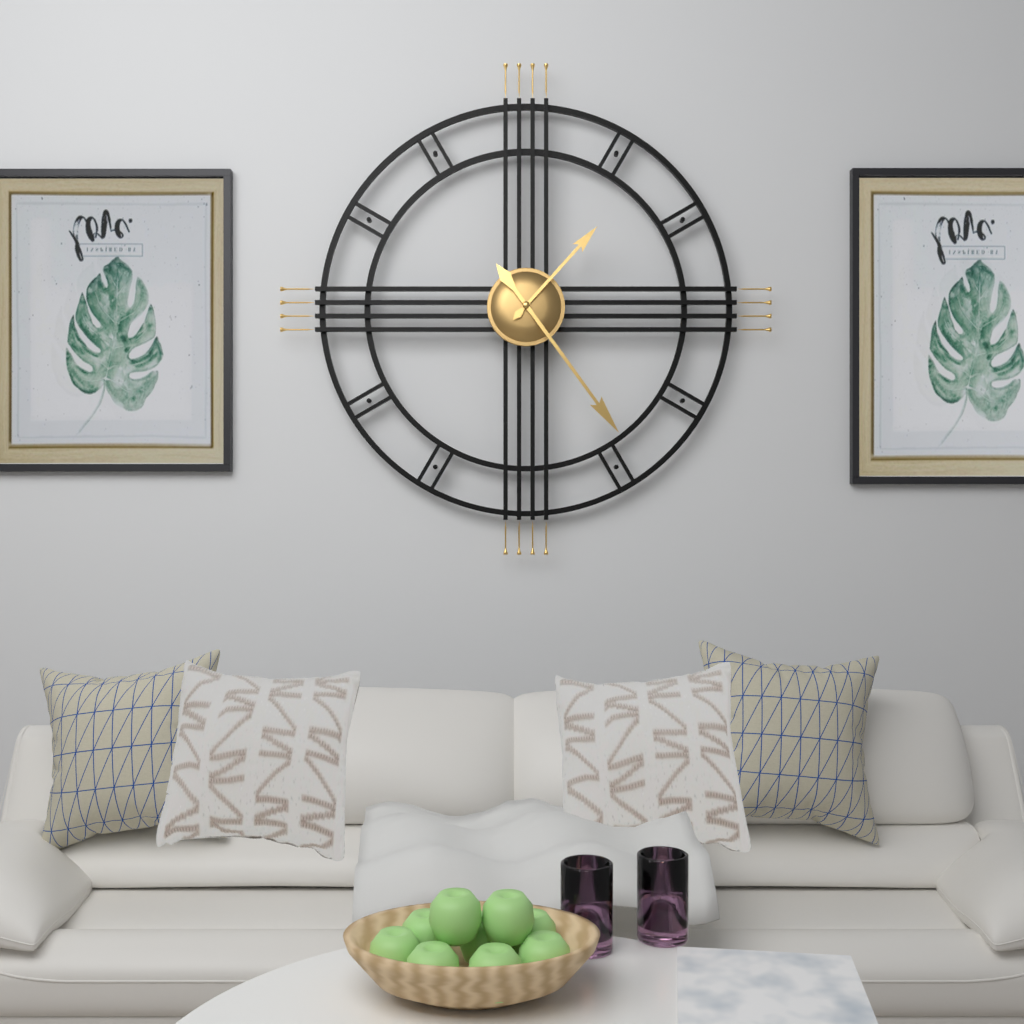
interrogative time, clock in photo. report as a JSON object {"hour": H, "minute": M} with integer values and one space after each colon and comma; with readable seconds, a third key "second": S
{"hour": 1, "minute": 24}
